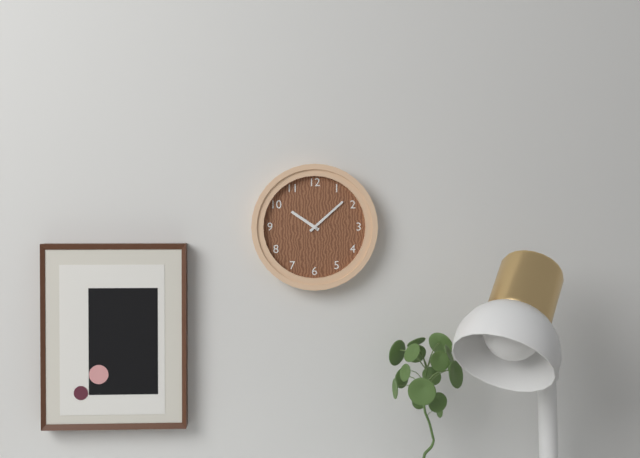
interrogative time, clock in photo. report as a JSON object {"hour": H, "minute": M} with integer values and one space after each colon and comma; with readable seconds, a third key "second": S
{"hour": 10, "minute": 8}
